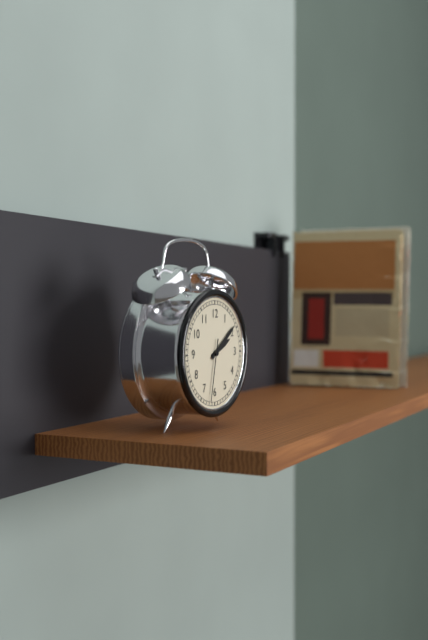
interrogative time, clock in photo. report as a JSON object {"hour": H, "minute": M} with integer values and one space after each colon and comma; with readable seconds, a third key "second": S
{"hour": 2, "minute": 9, "second": 32}
